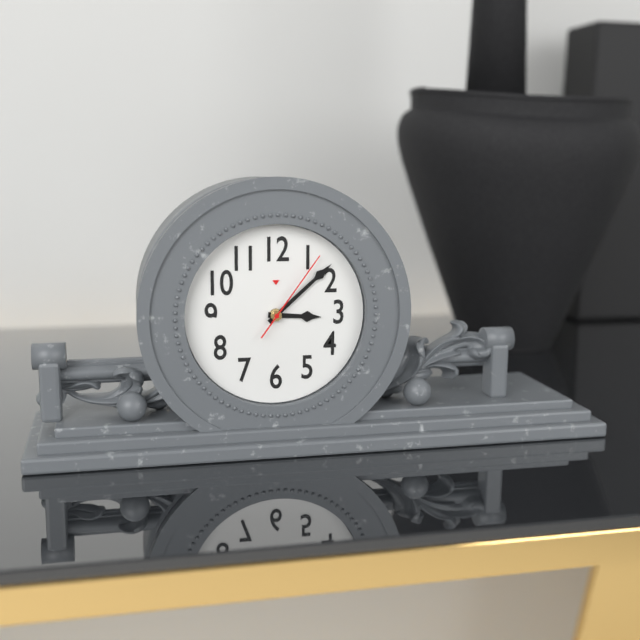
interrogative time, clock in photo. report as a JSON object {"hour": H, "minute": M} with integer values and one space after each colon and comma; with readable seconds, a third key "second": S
{"hour": 3, "minute": 8, "second": 6}
